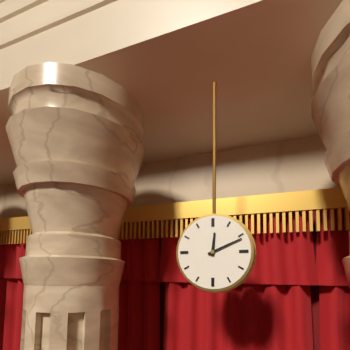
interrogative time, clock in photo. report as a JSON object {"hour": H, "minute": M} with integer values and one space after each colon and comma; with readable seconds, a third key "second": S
{"hour": 12, "minute": 11}
